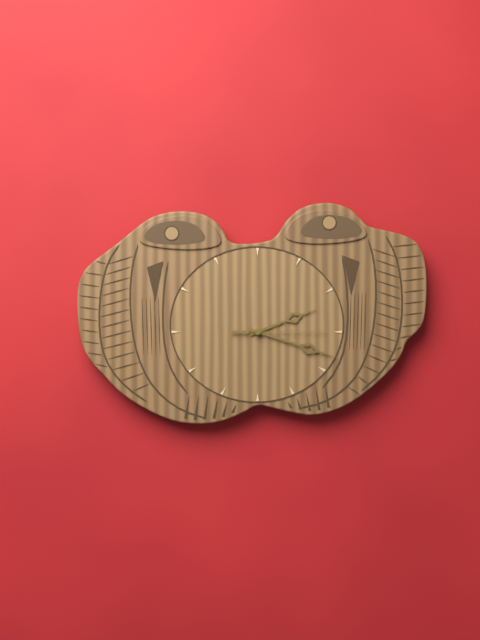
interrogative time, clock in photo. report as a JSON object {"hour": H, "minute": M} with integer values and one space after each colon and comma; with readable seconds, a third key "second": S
{"hour": 2, "minute": 18, "second": 15}
